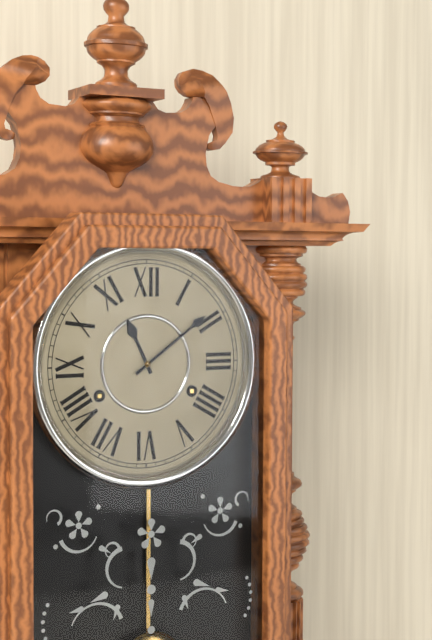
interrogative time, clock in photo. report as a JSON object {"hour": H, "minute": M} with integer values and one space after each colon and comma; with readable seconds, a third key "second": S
{"hour": 11, "minute": 9}
